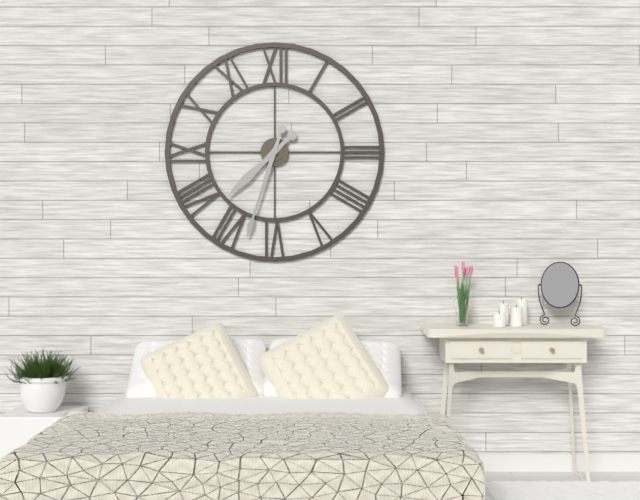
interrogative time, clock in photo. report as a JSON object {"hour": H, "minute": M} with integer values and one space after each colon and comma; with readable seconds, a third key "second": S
{"hour": 7, "minute": 33}
